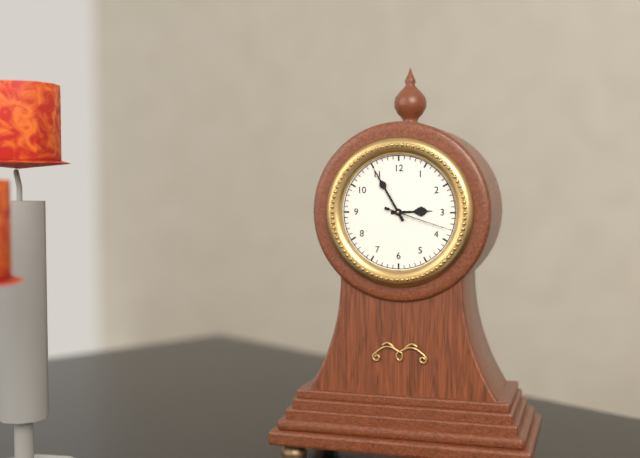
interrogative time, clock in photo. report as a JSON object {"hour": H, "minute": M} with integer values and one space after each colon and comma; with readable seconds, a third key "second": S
{"hour": 2, "minute": 55, "second": 18}
